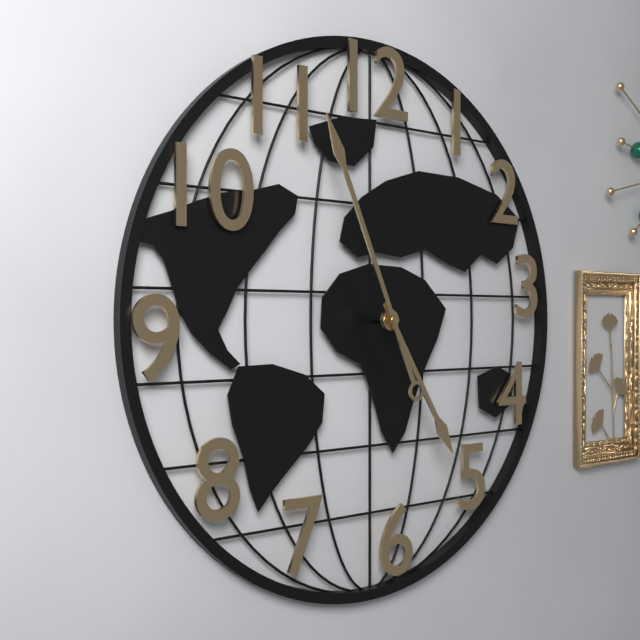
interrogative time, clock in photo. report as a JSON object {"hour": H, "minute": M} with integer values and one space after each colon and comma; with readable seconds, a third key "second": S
{"hour": 4, "minute": 56}
